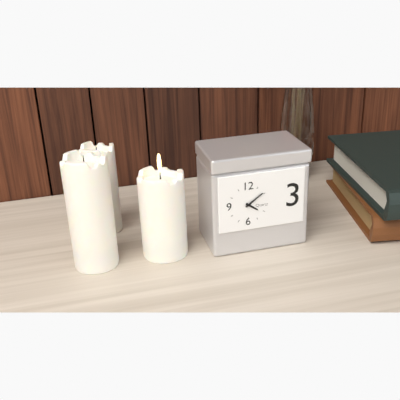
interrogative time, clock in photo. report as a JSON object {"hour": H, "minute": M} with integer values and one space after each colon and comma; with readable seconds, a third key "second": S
{"hour": 4, "minute": 9}
